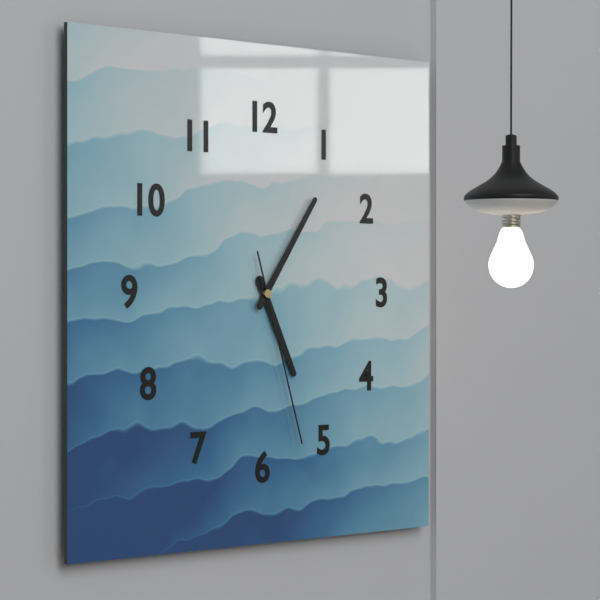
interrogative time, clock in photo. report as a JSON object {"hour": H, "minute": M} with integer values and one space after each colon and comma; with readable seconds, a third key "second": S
{"hour": 5, "minute": 6, "second": 27}
